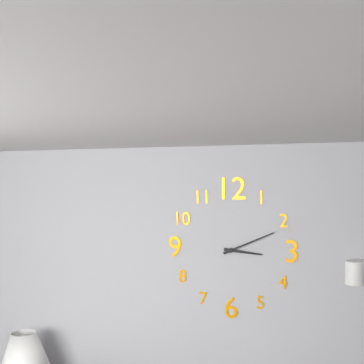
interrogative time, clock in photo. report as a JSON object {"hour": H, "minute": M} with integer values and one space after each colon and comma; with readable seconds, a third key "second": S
{"hour": 3, "minute": 11}
